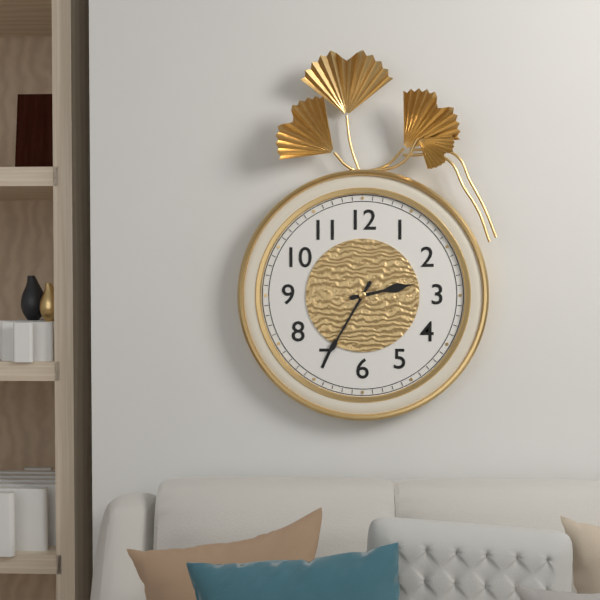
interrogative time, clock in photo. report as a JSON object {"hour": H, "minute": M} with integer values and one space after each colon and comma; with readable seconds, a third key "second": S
{"hour": 2, "minute": 35}
